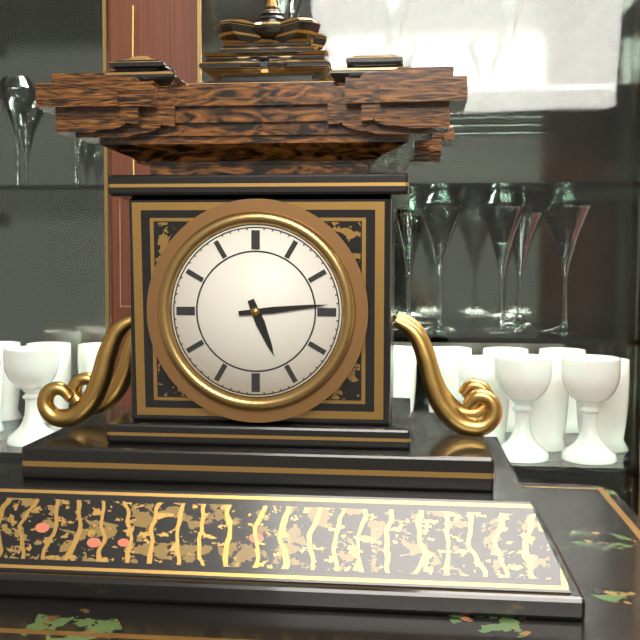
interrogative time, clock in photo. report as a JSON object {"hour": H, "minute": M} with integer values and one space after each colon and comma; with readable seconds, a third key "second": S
{"hour": 5, "minute": 14}
